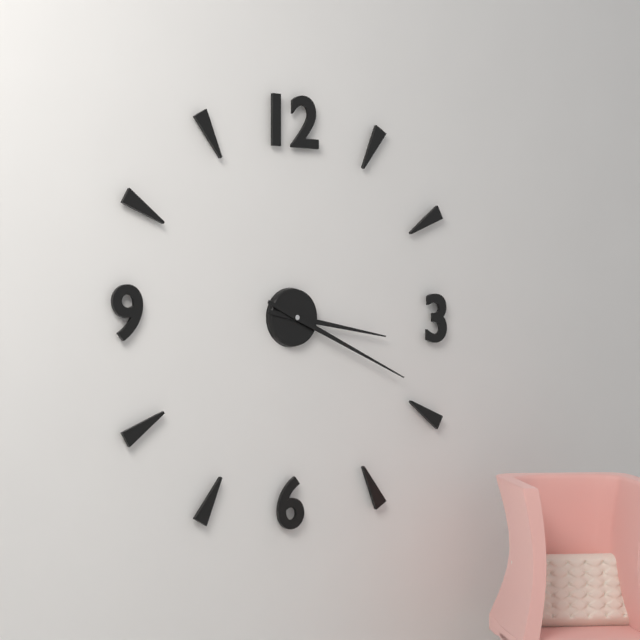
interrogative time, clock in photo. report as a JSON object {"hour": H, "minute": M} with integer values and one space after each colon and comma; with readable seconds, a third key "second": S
{"hour": 3, "minute": 19}
